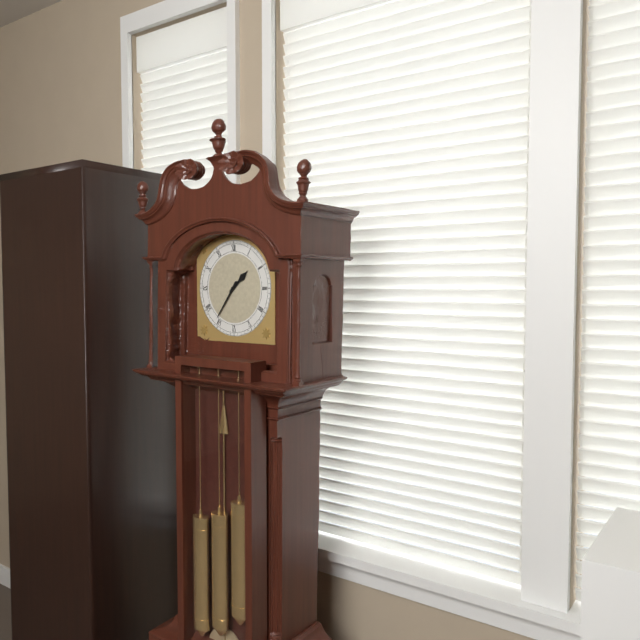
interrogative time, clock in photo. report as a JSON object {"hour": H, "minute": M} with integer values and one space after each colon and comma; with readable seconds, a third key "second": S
{"hour": 1, "minute": 36}
